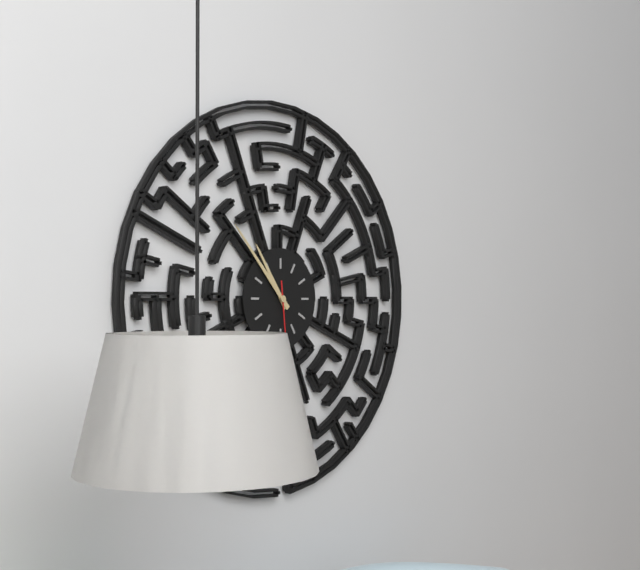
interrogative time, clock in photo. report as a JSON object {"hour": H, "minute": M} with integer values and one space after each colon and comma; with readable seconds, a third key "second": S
{"hour": 10, "minute": 53}
